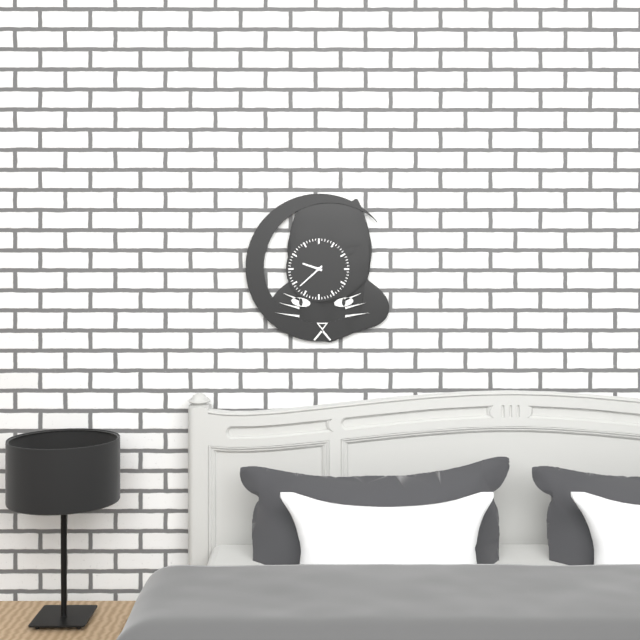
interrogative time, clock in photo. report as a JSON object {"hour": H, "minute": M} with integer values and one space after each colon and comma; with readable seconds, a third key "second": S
{"hour": 9, "minute": 38}
